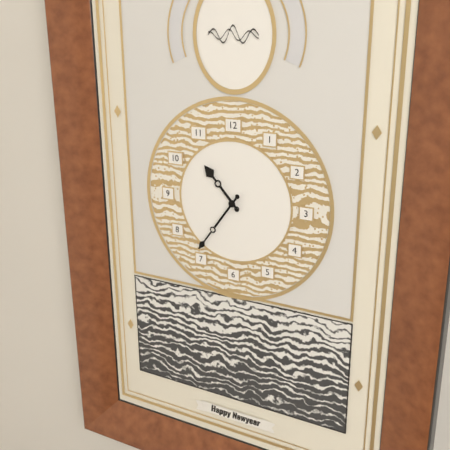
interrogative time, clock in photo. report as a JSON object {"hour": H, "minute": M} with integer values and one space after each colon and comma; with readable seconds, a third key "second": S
{"hour": 10, "minute": 36}
